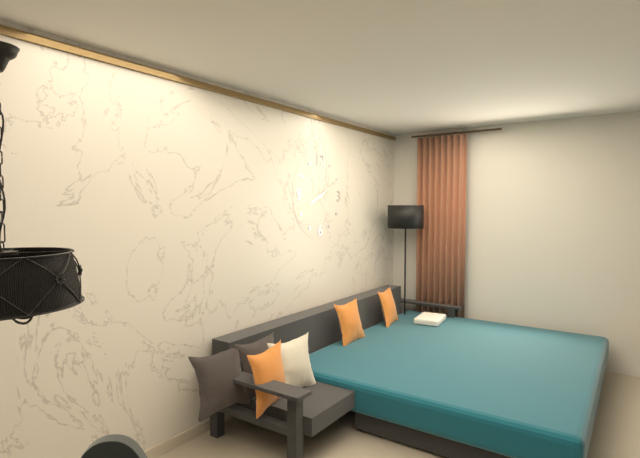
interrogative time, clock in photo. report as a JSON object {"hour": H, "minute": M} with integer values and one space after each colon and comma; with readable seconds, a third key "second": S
{"hour": 8, "minute": 10}
